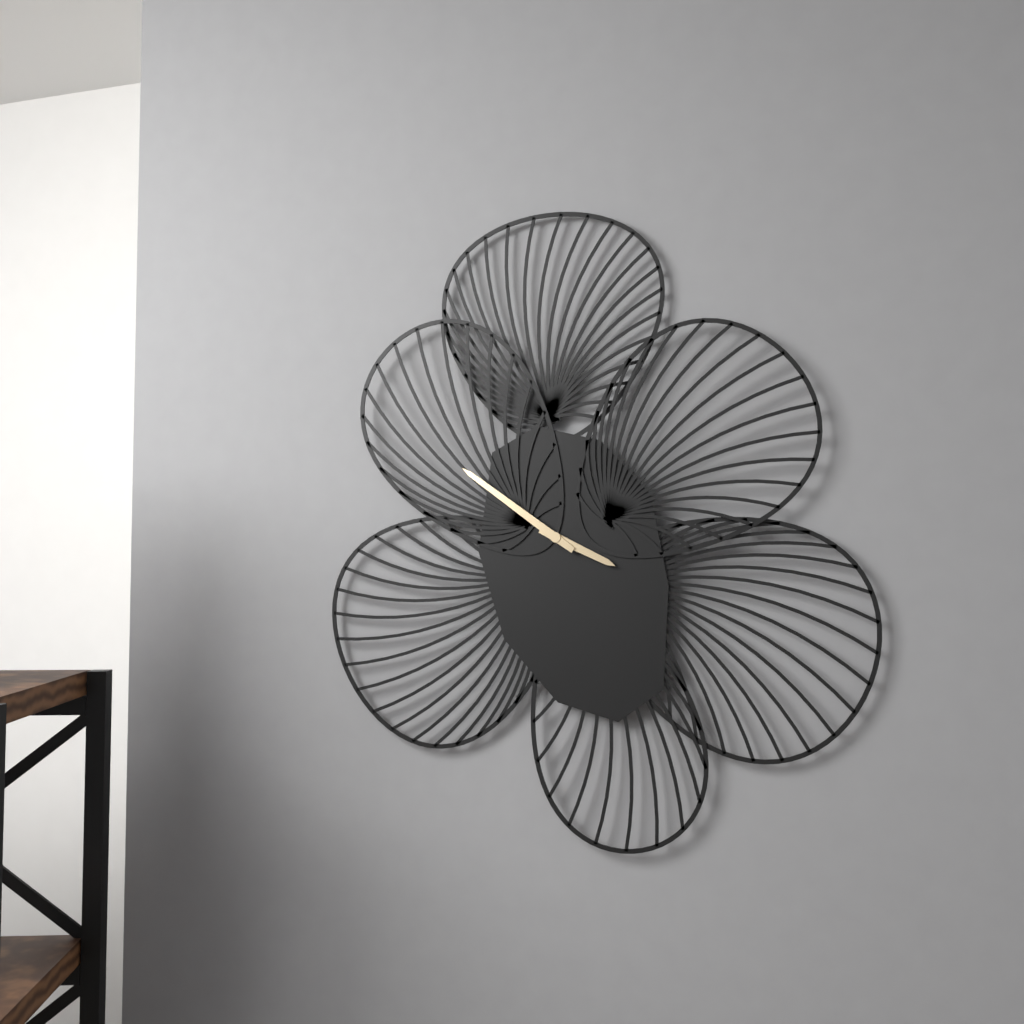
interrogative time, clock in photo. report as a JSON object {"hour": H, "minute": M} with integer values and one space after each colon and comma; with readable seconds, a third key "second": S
{"hour": 3, "minute": 51}
